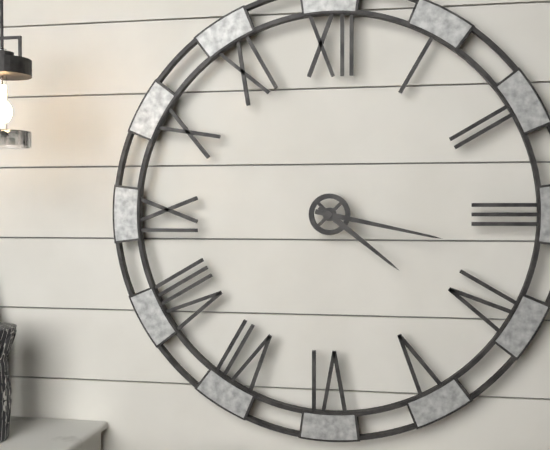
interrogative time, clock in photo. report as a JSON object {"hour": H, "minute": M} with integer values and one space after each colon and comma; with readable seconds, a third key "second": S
{"hour": 4, "minute": 17}
